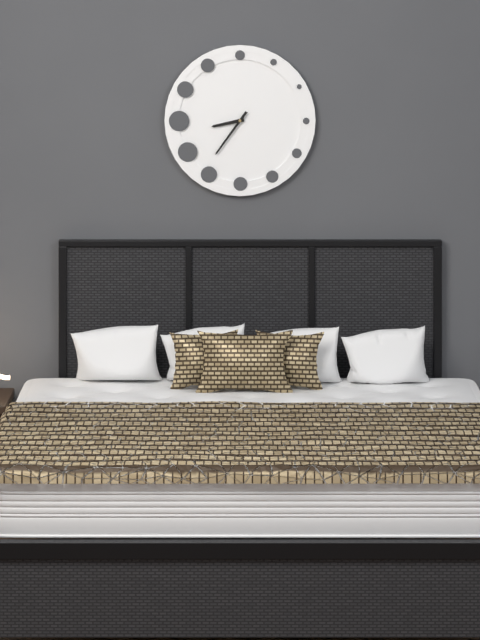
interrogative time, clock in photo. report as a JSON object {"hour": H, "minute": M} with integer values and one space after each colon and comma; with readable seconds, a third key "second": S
{"hour": 8, "minute": 36}
